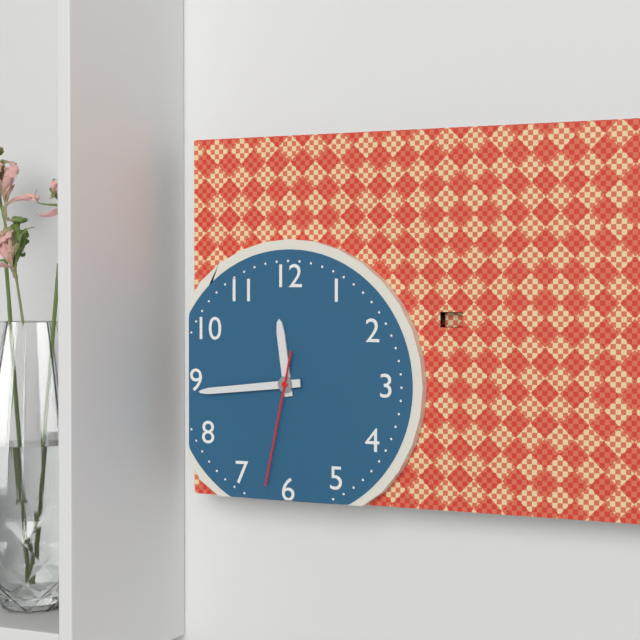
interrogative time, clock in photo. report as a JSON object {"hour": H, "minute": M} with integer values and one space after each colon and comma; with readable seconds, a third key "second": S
{"hour": 11, "minute": 44, "second": 32}
